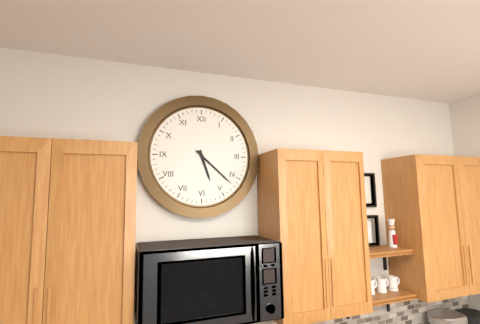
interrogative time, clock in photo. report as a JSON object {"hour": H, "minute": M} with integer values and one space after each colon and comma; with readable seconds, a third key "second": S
{"hour": 5, "minute": 22}
